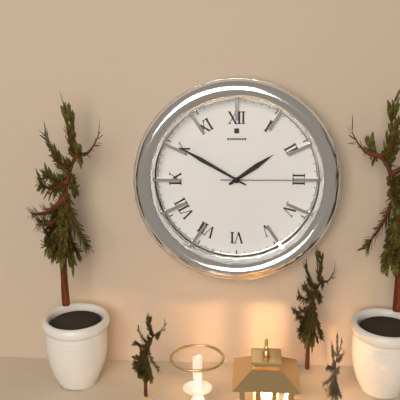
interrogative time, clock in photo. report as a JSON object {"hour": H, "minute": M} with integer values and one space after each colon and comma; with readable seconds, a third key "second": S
{"hour": 1, "minute": 50, "second": 15}
